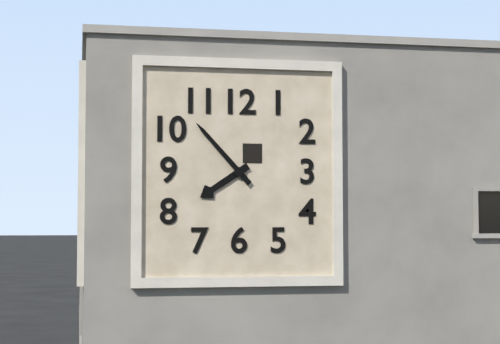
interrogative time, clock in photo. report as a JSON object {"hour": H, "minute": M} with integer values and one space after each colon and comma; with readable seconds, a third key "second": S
{"hour": 7, "minute": 53}
